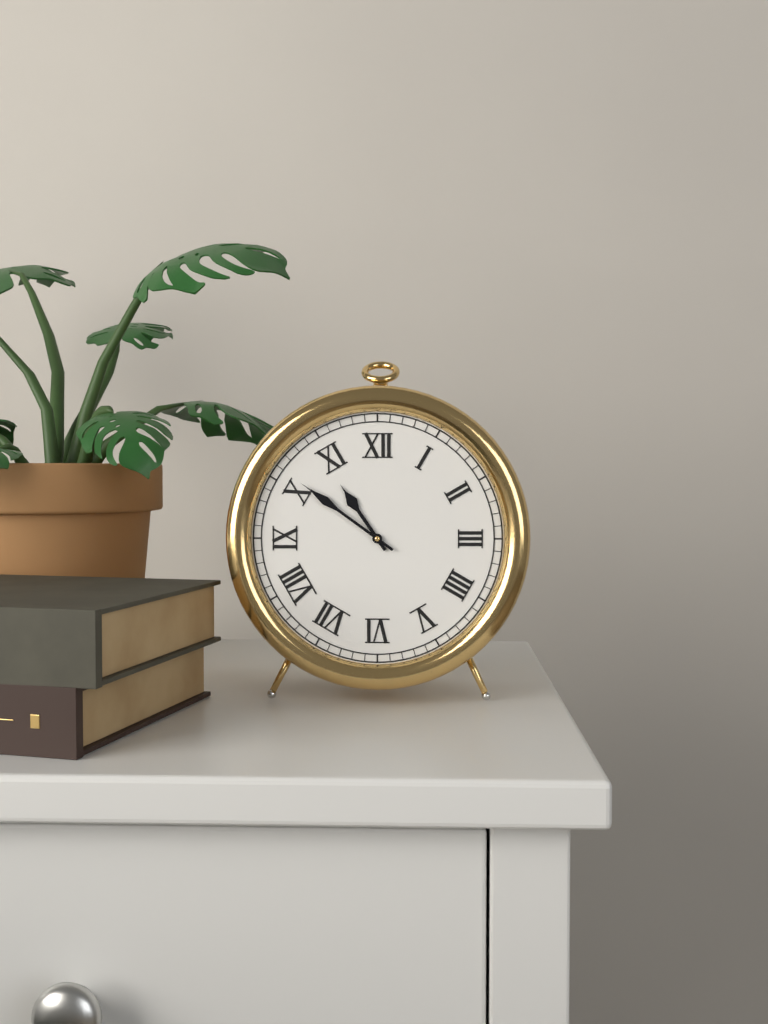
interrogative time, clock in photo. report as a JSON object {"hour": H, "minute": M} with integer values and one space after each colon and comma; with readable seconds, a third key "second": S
{"hour": 10, "minute": 51}
